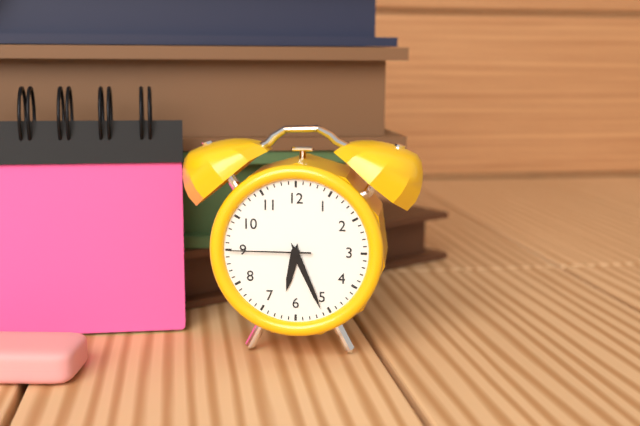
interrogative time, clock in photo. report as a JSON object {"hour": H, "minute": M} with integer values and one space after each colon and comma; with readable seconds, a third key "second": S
{"hour": 6, "minute": 26, "second": 45}
